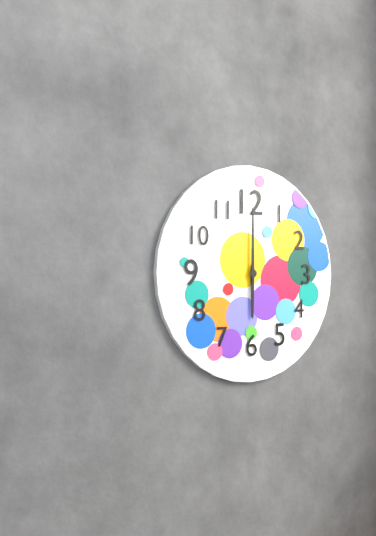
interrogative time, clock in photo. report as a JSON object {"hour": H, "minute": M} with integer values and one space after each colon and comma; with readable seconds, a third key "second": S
{"hour": 6, "minute": 0}
